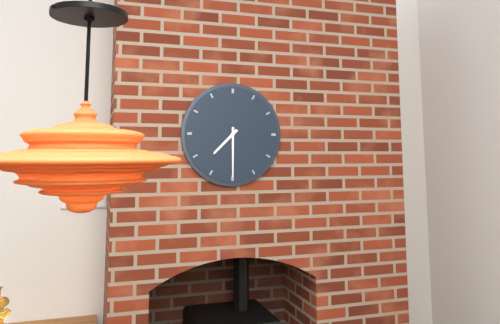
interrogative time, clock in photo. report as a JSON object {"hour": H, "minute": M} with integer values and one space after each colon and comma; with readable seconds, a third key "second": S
{"hour": 7, "minute": 30}
